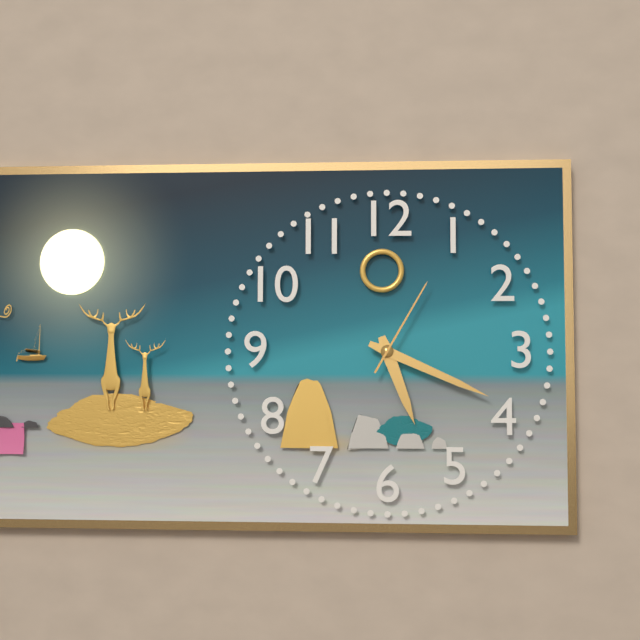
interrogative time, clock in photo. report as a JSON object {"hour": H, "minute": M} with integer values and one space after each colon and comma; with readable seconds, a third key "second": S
{"hour": 5, "minute": 19, "second": 5}
